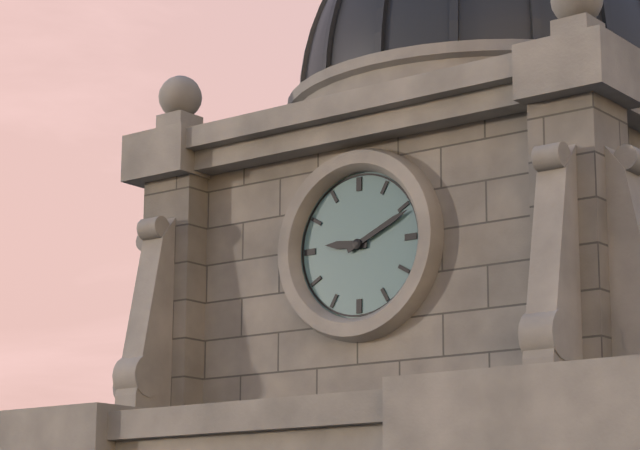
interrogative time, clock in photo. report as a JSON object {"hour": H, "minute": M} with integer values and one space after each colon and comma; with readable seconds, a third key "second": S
{"hour": 9, "minute": 11}
